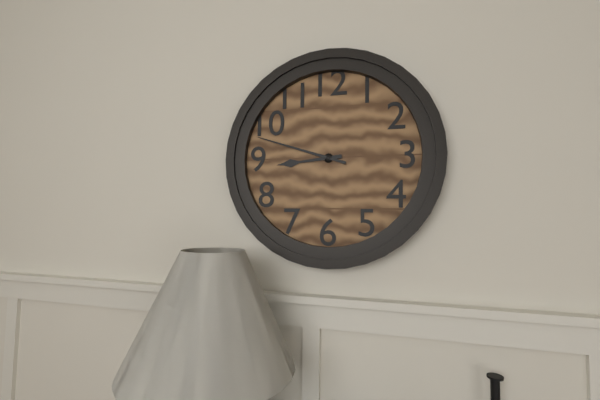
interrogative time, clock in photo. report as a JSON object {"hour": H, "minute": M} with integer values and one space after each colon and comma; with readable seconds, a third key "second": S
{"hour": 8, "minute": 48}
